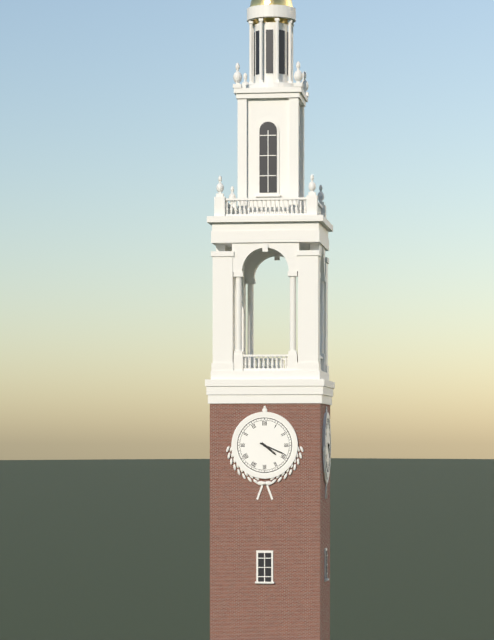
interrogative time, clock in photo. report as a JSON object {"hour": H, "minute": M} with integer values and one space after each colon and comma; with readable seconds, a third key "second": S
{"hour": 4, "minute": 19}
